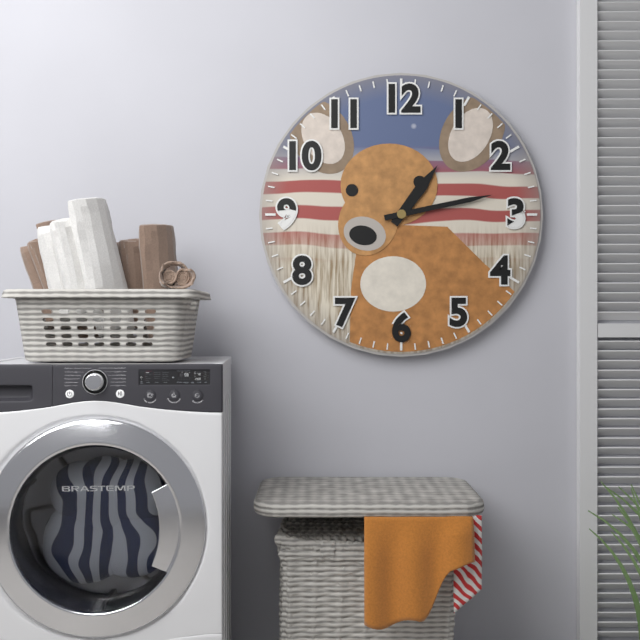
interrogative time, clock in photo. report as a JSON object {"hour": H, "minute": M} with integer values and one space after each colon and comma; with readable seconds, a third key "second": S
{"hour": 1, "minute": 13}
